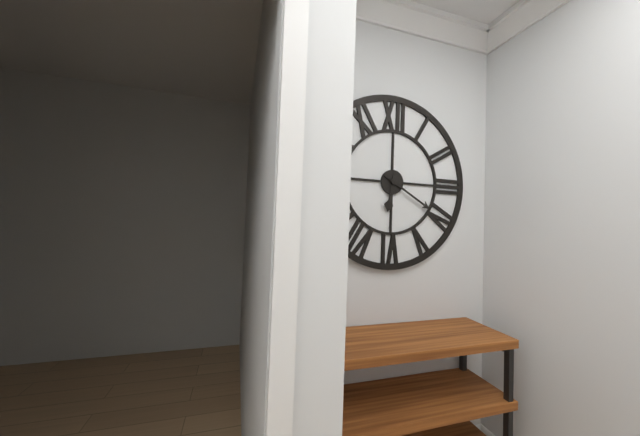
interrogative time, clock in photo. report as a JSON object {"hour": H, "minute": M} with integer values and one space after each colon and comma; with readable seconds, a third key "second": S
{"hour": 6, "minute": 20}
